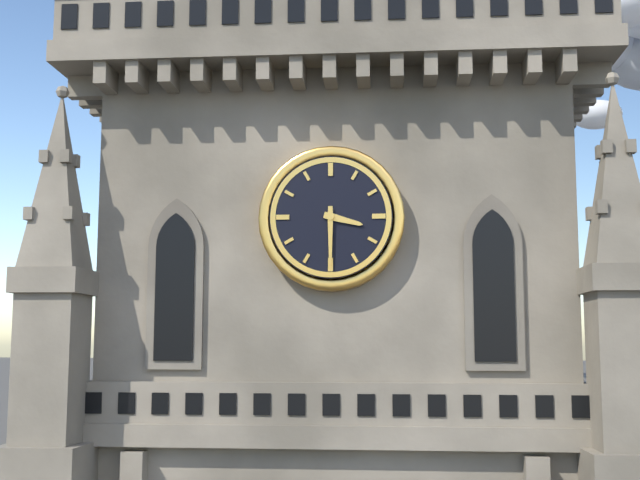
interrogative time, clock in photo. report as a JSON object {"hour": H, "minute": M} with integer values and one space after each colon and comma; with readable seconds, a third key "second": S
{"hour": 3, "minute": 30}
